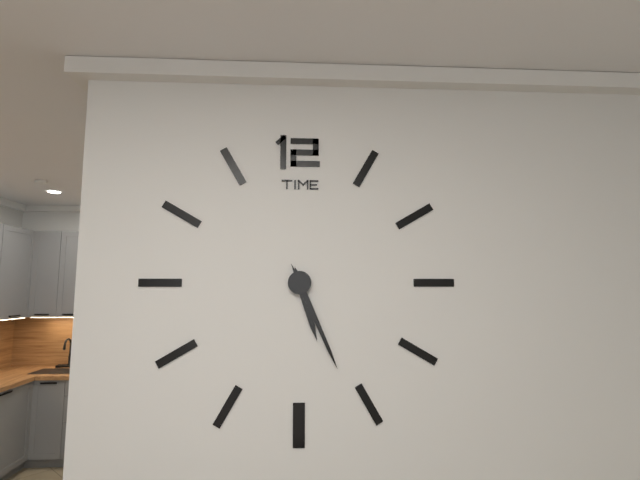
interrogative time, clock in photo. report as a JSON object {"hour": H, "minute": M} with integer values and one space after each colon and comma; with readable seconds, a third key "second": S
{"hour": 5, "minute": 26}
